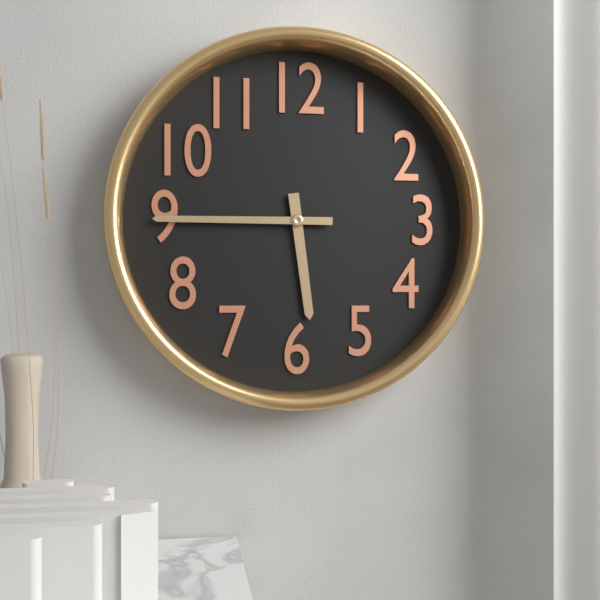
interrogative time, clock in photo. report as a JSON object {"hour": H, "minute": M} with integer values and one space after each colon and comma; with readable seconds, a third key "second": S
{"hour": 5, "minute": 45}
